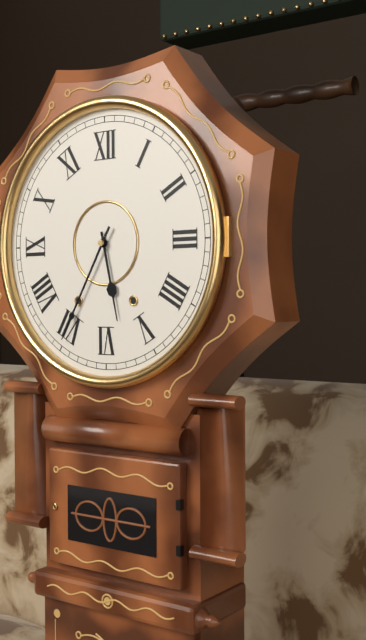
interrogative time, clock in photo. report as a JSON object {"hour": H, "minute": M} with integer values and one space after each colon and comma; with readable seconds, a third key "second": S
{"hour": 5, "minute": 35}
